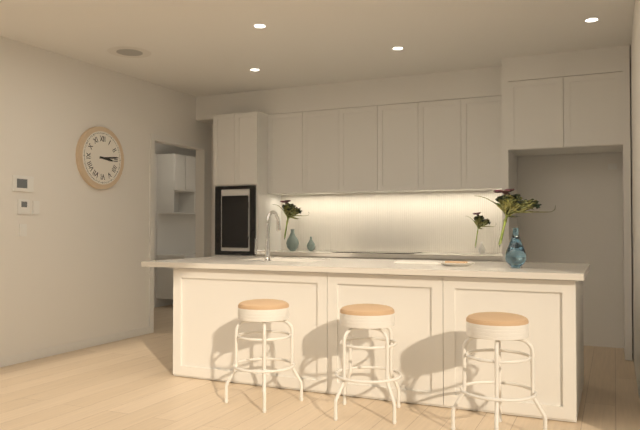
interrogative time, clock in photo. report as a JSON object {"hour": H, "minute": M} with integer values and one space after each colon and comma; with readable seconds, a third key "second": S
{"hour": 3, "minute": 14}
